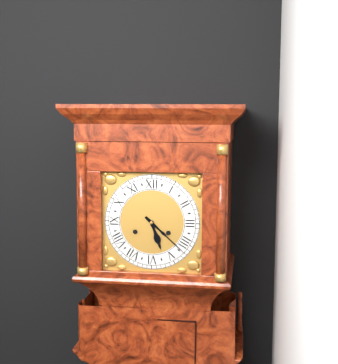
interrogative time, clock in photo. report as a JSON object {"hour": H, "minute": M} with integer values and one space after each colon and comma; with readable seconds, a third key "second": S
{"hour": 5, "minute": 22}
